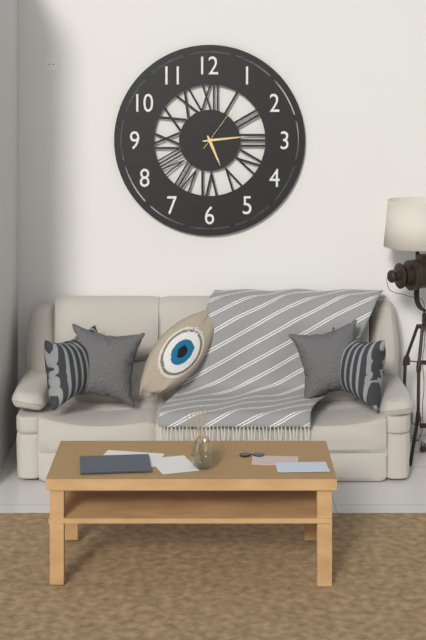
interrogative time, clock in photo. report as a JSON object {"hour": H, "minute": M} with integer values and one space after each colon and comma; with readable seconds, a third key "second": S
{"hour": 5, "minute": 14, "second": 6}
